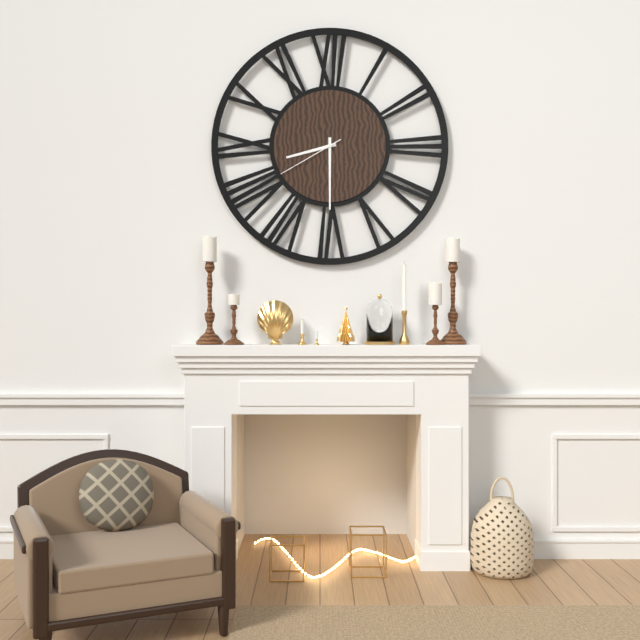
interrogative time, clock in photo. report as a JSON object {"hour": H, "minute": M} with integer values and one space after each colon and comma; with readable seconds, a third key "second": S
{"hour": 8, "minute": 30, "second": 40}
